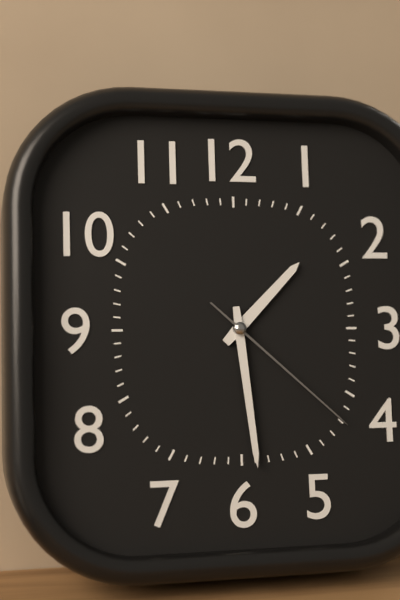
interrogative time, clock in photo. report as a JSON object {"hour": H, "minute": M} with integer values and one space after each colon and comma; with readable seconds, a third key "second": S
{"hour": 1, "minute": 29, "second": 22}
